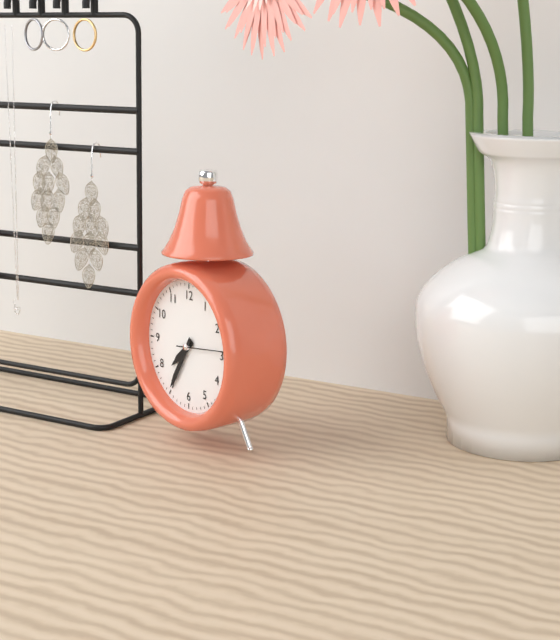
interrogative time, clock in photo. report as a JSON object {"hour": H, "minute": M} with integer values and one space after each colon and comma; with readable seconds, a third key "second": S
{"hour": 7, "minute": 35}
